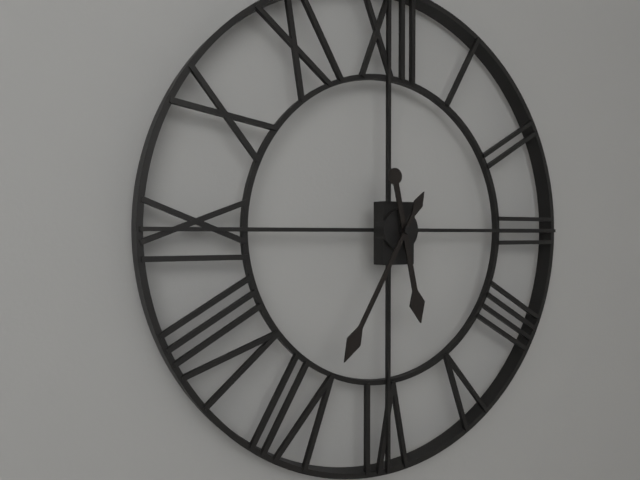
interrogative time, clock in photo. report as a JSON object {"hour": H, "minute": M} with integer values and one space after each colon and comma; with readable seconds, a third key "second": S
{"hour": 5, "minute": 35}
